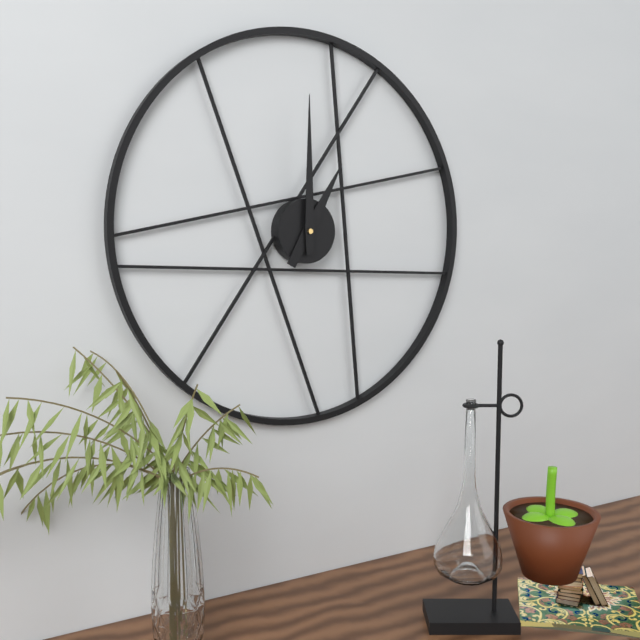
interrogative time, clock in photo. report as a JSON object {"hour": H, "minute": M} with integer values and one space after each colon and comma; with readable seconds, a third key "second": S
{"hour": 1, "minute": 0}
